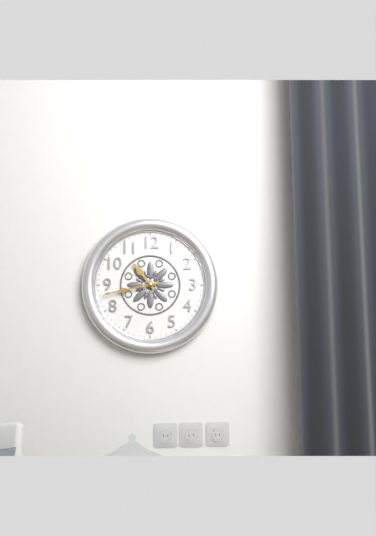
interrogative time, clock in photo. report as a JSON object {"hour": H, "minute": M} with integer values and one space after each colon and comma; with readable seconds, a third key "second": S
{"hour": 10, "minute": 43}
